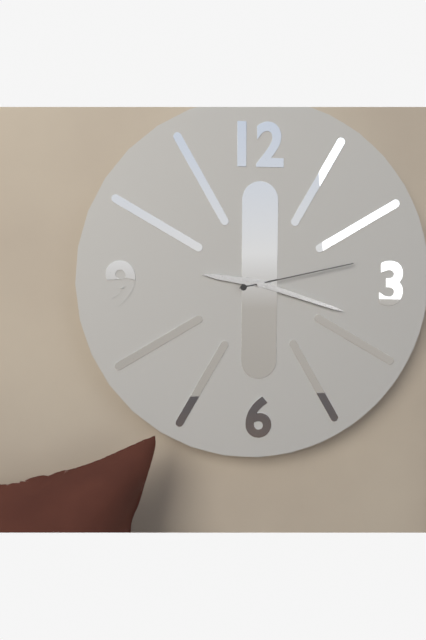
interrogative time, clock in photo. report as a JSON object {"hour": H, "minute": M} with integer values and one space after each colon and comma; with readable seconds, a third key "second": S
{"hour": 9, "minute": 18, "second": 13}
